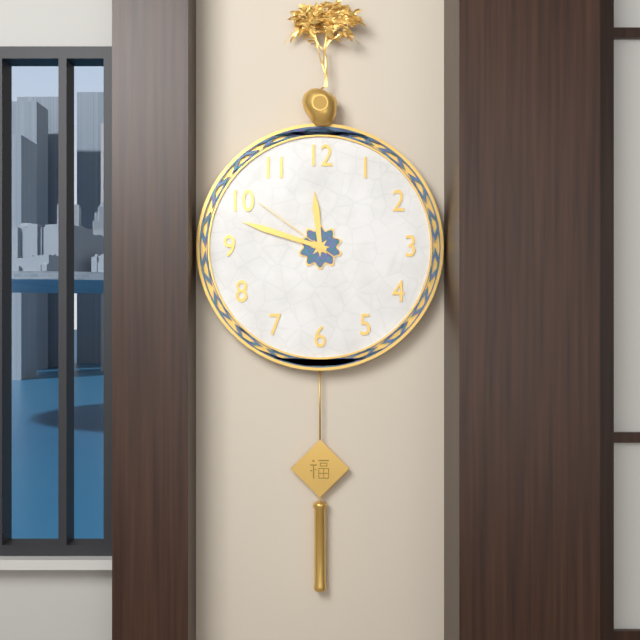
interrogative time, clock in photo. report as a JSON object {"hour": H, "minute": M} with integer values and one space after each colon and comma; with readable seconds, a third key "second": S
{"hour": 11, "minute": 48, "second": 51}
